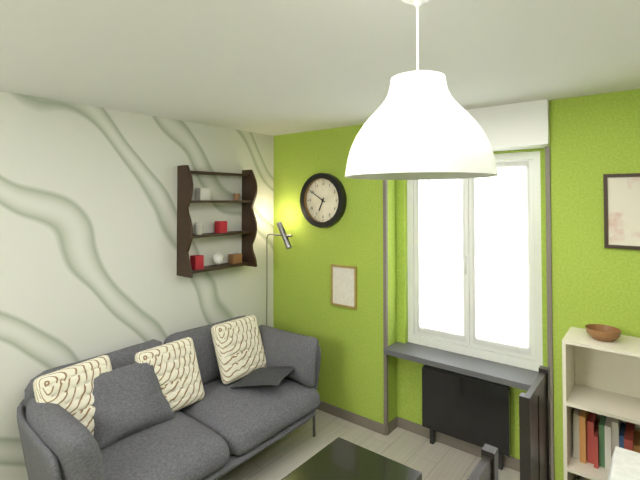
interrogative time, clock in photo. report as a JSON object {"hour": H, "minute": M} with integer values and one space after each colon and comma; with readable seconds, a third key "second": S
{"hour": 6, "minute": 50}
